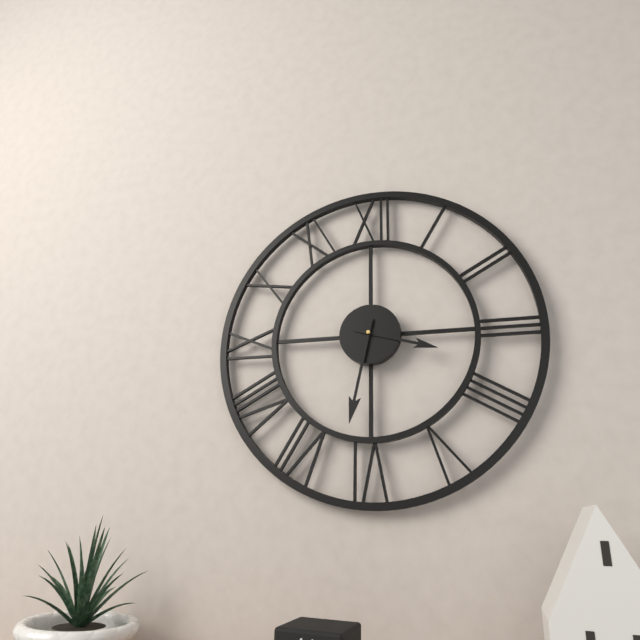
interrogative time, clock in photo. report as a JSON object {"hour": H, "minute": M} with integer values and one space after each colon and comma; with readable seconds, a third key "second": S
{"hour": 3, "minute": 32}
